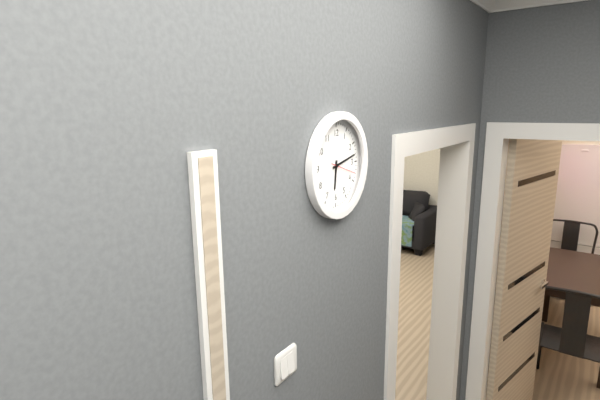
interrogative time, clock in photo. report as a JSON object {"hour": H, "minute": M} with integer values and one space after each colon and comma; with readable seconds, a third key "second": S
{"hour": 6, "minute": 13}
